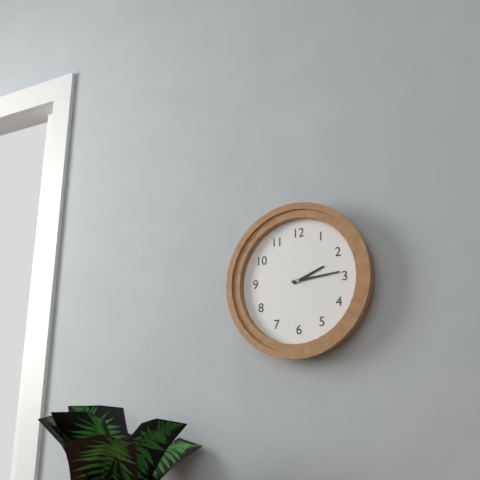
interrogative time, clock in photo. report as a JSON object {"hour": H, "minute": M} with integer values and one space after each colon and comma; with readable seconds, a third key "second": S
{"hour": 2, "minute": 14}
